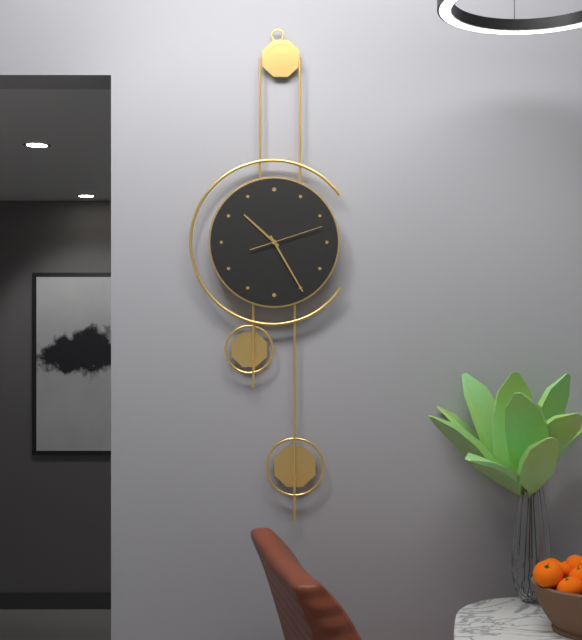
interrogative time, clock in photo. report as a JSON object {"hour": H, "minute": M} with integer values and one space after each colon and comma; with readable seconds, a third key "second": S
{"hour": 10, "minute": 25, "second": 12}
